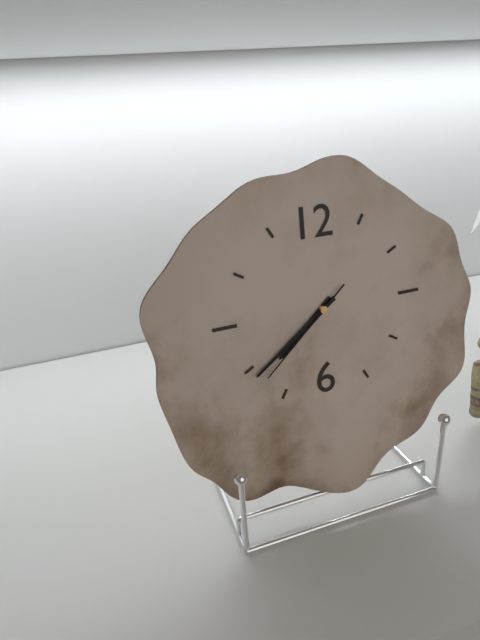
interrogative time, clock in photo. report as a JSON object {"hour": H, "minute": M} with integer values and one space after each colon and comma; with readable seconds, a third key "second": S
{"hour": 7, "minute": 39, "second": 38}
